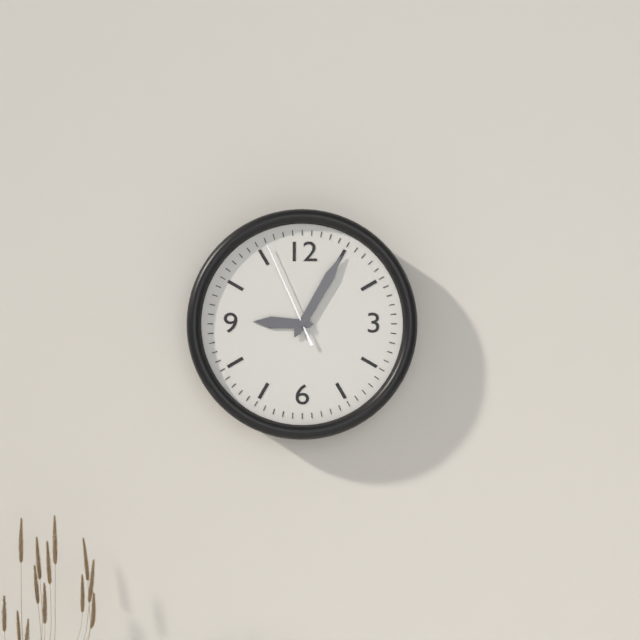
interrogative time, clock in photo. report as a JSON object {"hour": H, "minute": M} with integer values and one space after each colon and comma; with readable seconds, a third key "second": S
{"hour": 9, "minute": 5, "second": 56}
